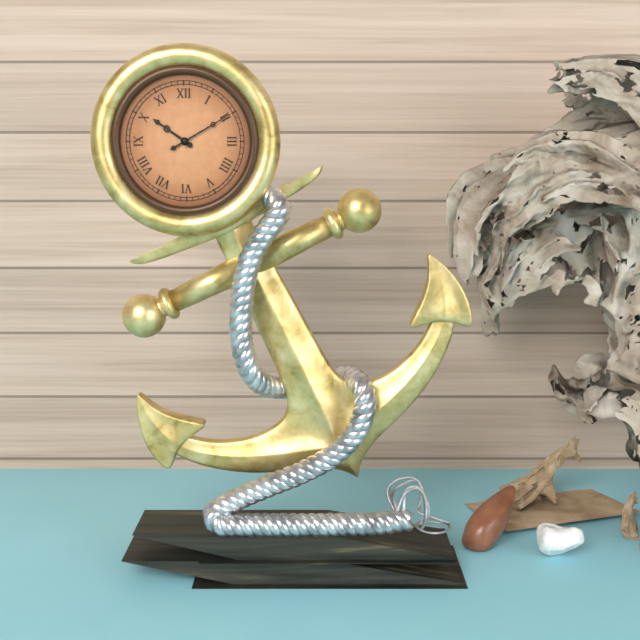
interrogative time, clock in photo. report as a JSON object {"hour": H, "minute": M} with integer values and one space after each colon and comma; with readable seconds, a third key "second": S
{"hour": 10, "minute": 10}
